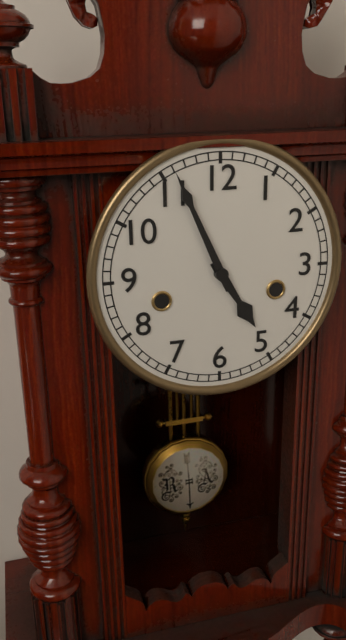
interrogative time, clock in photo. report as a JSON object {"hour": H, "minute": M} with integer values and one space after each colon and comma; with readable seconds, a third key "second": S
{"hour": 4, "minute": 56}
